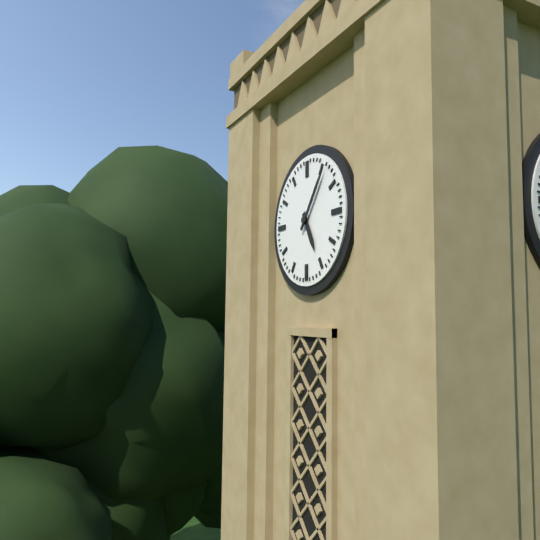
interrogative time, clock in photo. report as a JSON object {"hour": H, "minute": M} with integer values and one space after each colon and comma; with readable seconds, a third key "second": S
{"hour": 5, "minute": 6}
